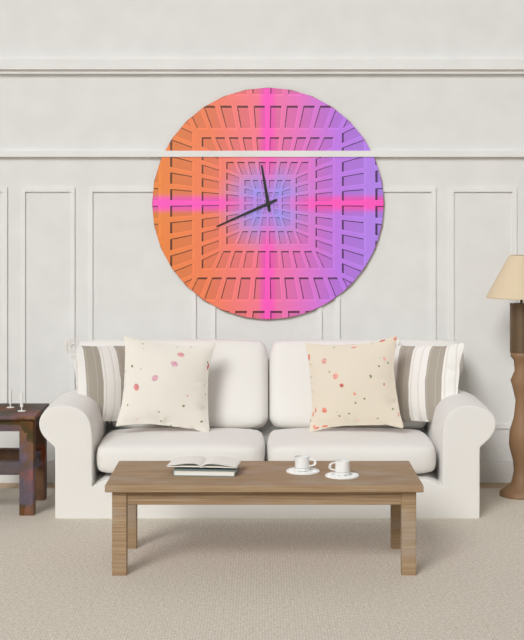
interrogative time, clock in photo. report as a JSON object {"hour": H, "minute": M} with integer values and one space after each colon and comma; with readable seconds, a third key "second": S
{"hour": 11, "minute": 41}
